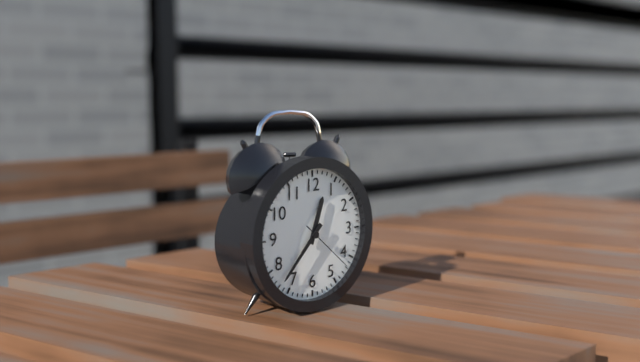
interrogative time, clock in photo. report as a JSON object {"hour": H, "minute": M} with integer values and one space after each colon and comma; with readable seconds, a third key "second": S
{"hour": 12, "minute": 37, "second": 22}
